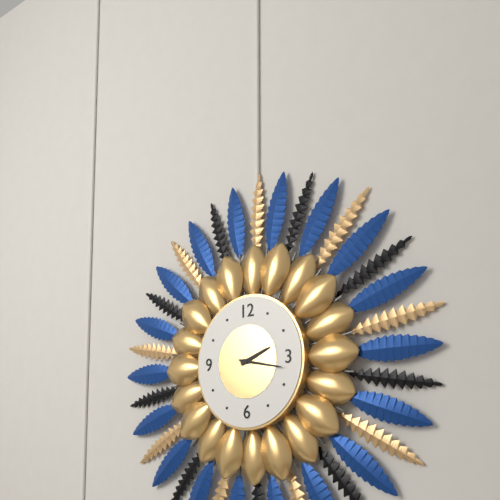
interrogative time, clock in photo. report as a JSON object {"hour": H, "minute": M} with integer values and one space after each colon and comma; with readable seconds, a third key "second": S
{"hour": 2, "minute": 17}
